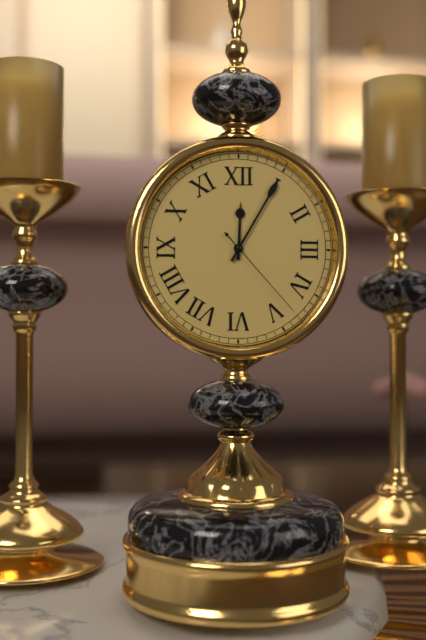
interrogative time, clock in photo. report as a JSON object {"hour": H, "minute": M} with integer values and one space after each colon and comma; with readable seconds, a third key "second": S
{"hour": 12, "minute": 5, "second": 23}
